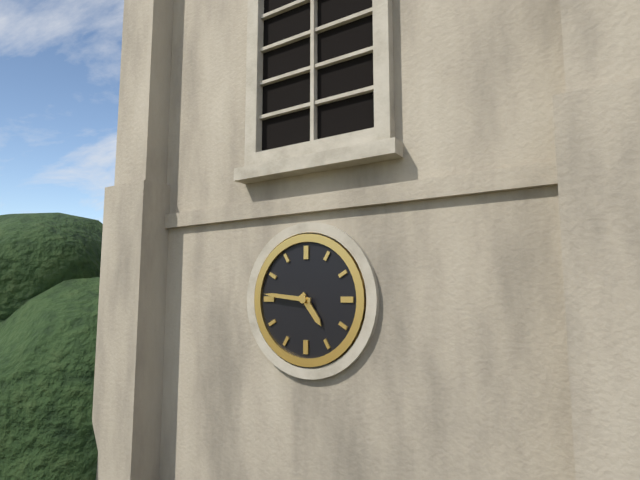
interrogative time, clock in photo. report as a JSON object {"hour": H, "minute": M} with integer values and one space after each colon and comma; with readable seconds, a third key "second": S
{"hour": 4, "minute": 46}
